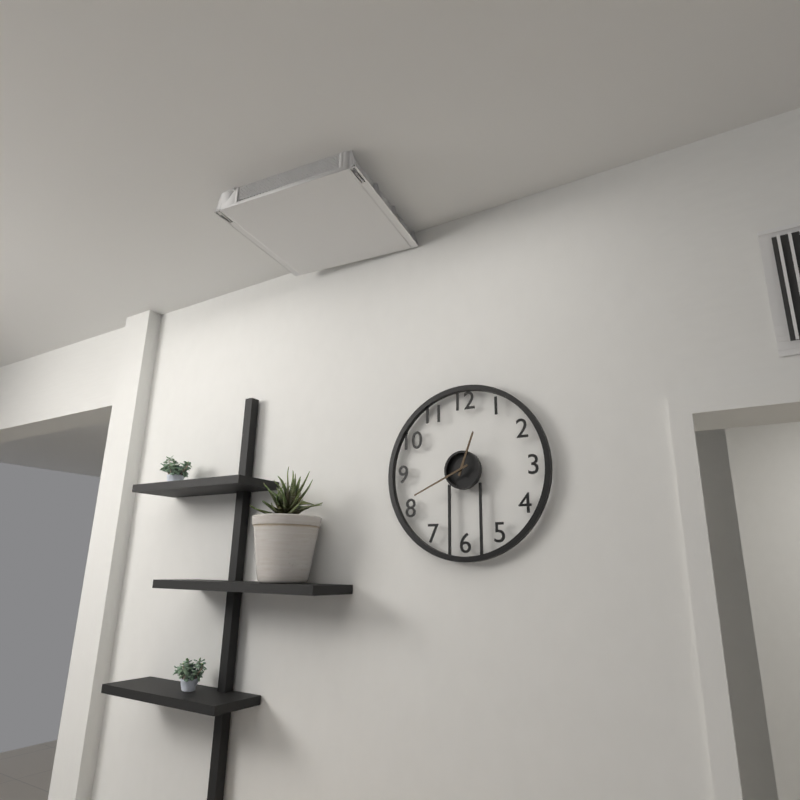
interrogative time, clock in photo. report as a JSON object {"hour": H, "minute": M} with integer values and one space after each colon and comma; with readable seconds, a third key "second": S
{"hour": 12, "minute": 41}
